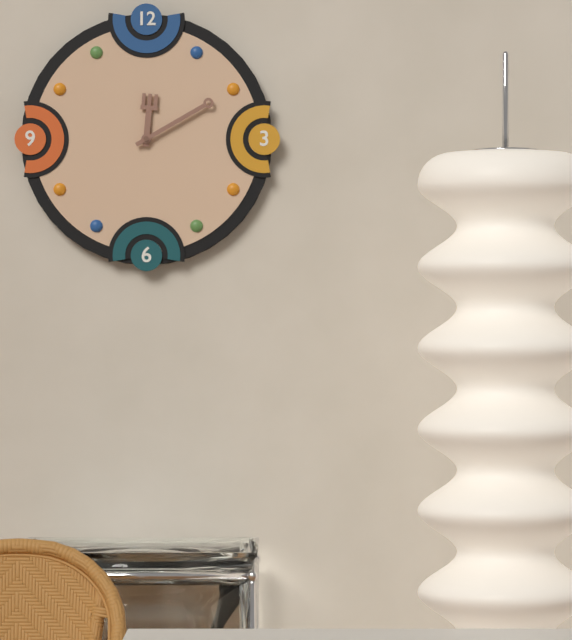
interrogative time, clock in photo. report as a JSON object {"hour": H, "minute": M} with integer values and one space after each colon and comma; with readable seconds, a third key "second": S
{"hour": 12, "minute": 10}
